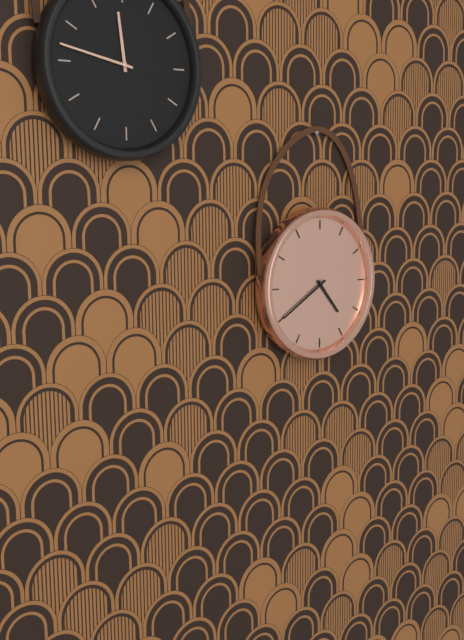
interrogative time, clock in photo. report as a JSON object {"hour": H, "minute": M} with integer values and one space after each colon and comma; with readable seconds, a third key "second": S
{"hour": 4, "minute": 40}
